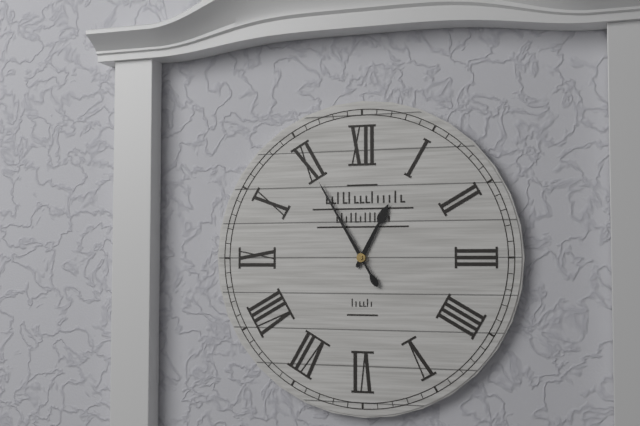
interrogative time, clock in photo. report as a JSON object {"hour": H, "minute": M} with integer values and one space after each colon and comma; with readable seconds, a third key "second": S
{"hour": 12, "minute": 55}
